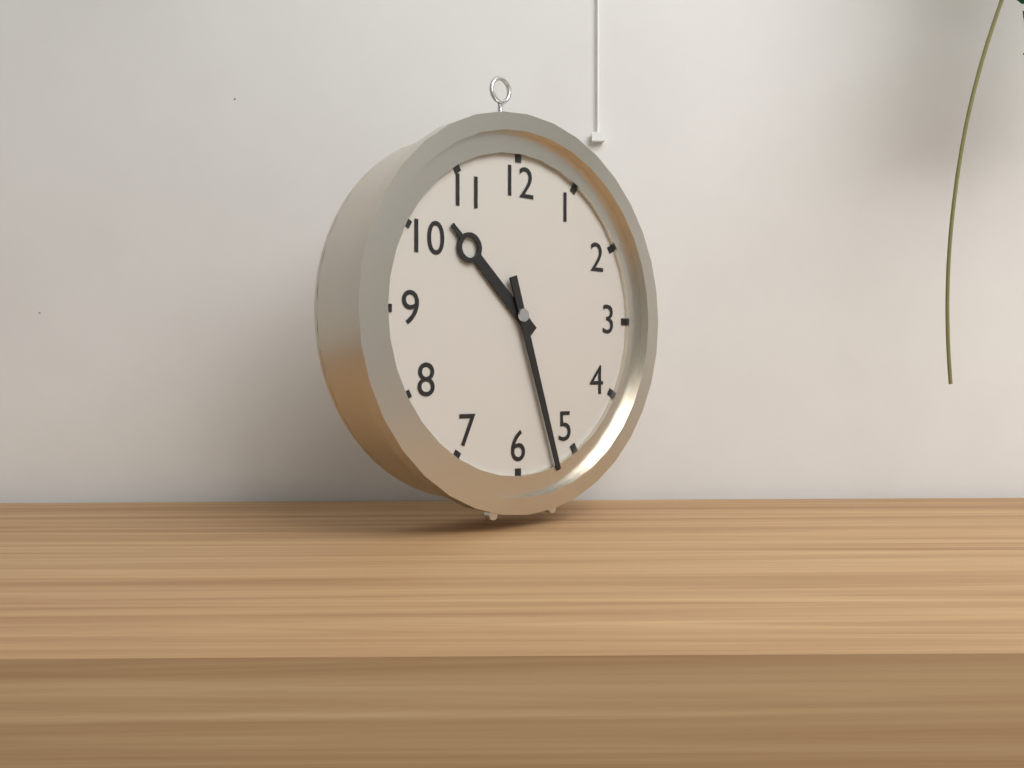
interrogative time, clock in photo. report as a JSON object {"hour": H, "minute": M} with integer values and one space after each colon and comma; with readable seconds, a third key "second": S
{"hour": 10, "minute": 27}
